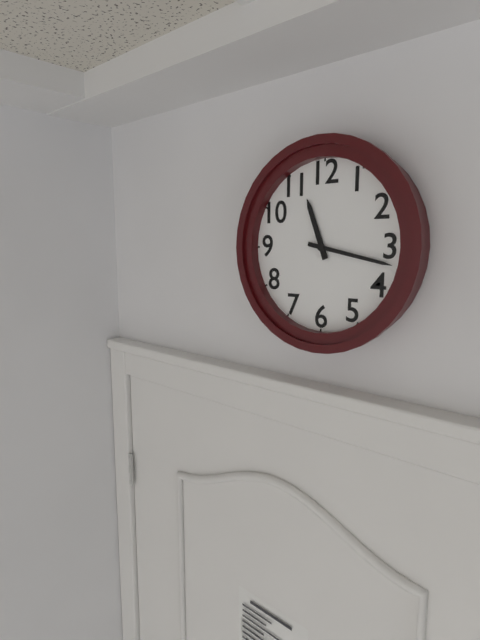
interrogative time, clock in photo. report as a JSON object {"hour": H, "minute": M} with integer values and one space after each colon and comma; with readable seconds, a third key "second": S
{"hour": 11, "minute": 17}
